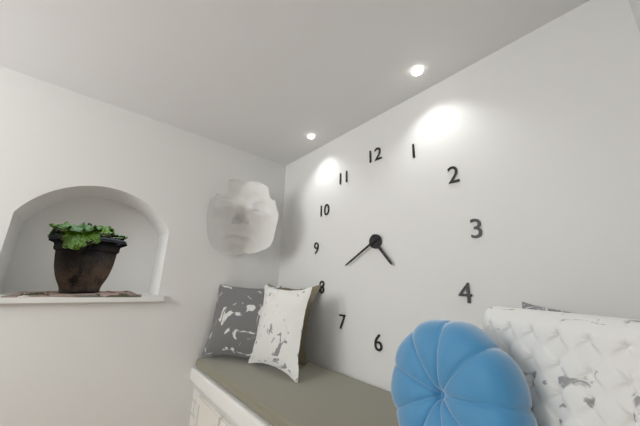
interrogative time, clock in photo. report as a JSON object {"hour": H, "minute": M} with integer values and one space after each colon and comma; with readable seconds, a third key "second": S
{"hour": 4, "minute": 40}
